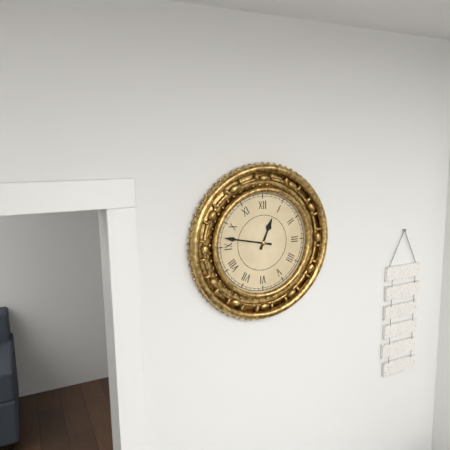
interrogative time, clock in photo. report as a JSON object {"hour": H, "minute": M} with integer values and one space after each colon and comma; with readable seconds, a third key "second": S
{"hour": 12, "minute": 47}
